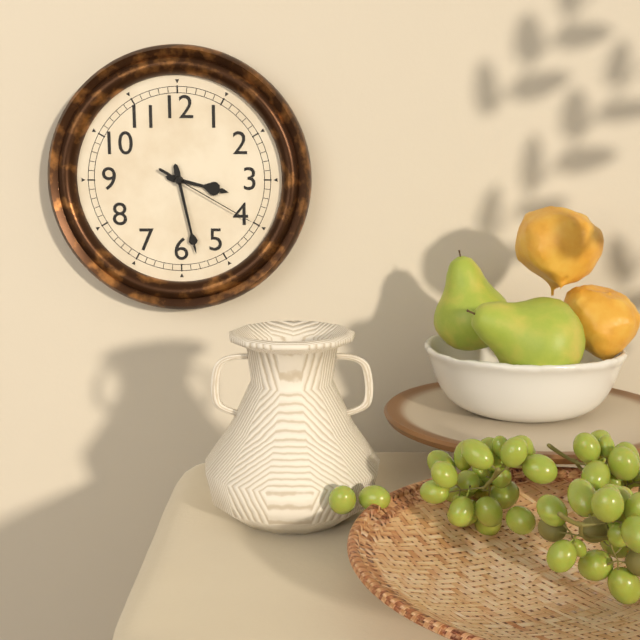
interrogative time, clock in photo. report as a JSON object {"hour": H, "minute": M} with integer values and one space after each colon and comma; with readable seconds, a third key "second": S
{"hour": 3, "minute": 28, "second": 20}
